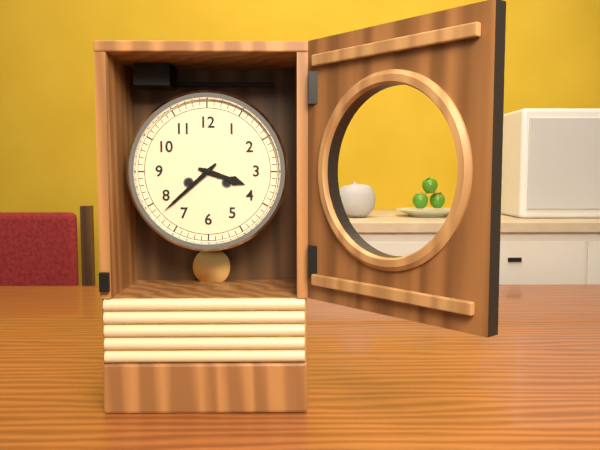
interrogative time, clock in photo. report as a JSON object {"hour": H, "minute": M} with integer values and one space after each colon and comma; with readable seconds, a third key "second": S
{"hour": 3, "minute": 38}
